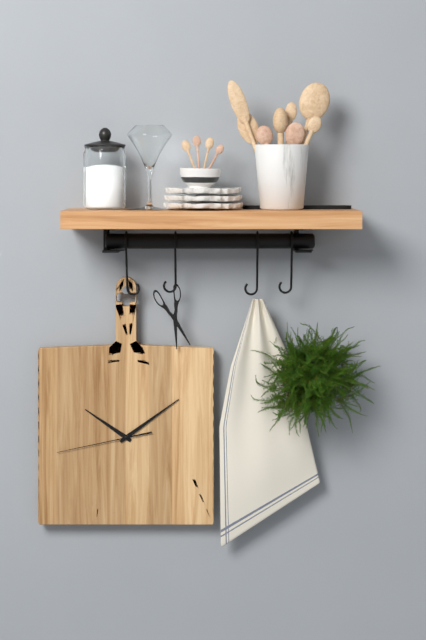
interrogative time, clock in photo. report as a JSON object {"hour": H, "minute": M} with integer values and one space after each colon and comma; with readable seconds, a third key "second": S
{"hour": 10, "minute": 9, "second": 43}
